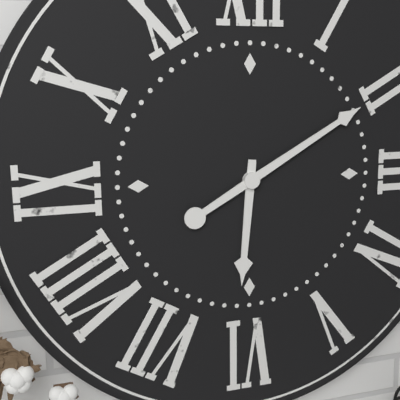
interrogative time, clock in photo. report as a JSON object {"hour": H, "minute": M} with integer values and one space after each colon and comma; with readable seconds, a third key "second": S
{"hour": 6, "minute": 10}
